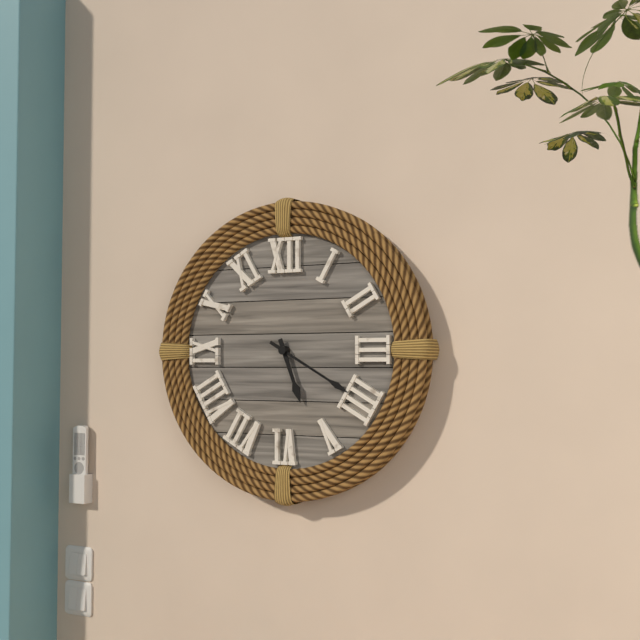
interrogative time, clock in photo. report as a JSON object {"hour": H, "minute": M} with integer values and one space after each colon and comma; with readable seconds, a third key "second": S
{"hour": 5, "minute": 20}
